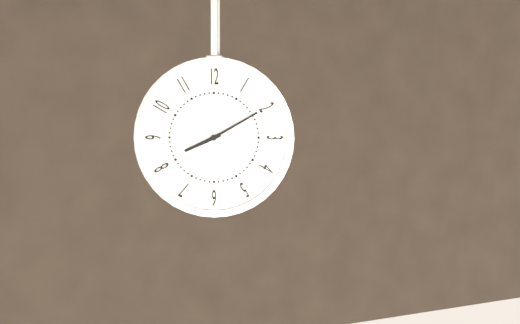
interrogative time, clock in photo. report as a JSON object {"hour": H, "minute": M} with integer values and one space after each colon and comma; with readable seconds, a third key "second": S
{"hour": 8, "minute": 10}
